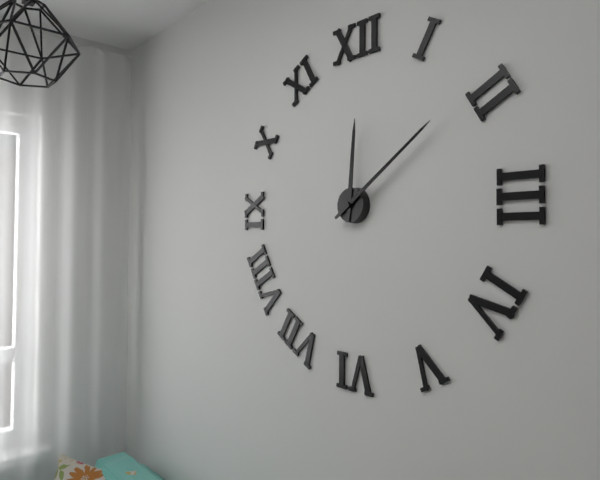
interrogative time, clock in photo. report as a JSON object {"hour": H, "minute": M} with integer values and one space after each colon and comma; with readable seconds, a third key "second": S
{"hour": 12, "minute": 9}
